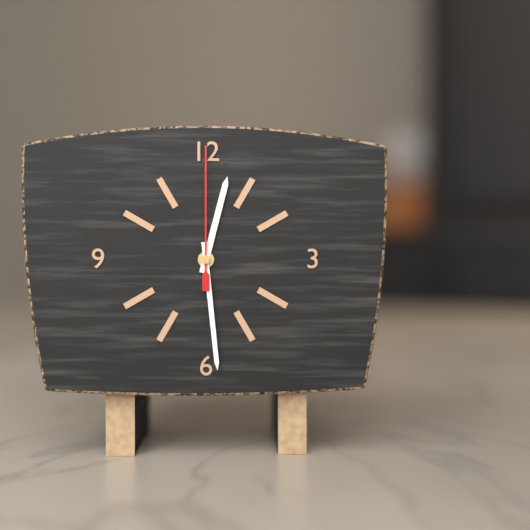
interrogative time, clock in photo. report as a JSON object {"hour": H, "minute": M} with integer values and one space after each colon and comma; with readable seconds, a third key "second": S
{"hour": 12, "minute": 29, "second": 0}
